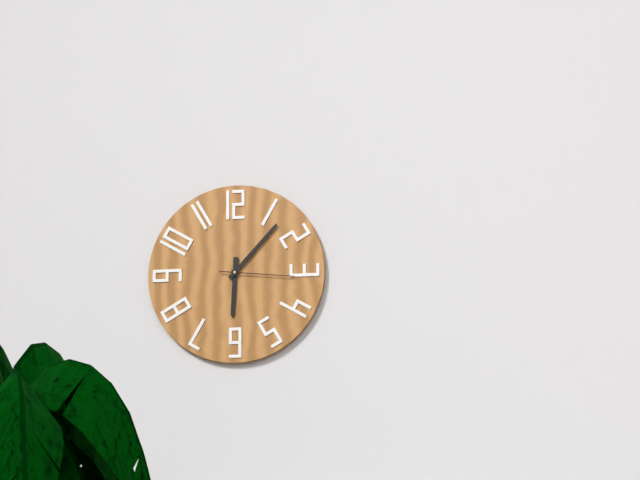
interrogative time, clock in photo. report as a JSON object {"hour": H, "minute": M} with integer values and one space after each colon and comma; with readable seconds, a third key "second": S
{"hour": 6, "minute": 7, "second": 16}
